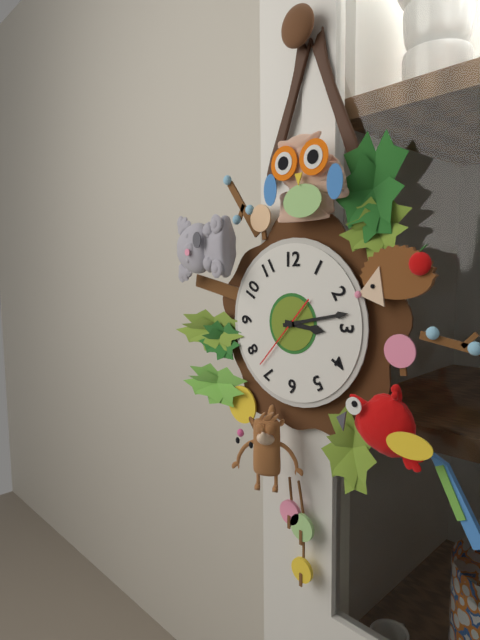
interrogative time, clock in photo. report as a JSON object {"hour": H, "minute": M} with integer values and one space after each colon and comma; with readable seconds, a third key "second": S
{"hour": 3, "minute": 13, "second": 37}
